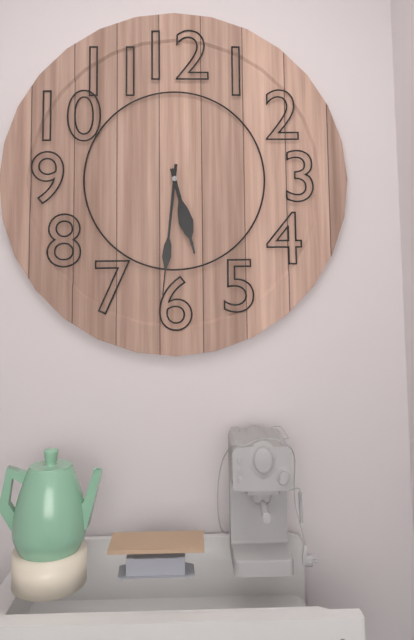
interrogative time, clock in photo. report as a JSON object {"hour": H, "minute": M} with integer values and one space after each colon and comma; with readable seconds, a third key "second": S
{"hour": 5, "minute": 31}
